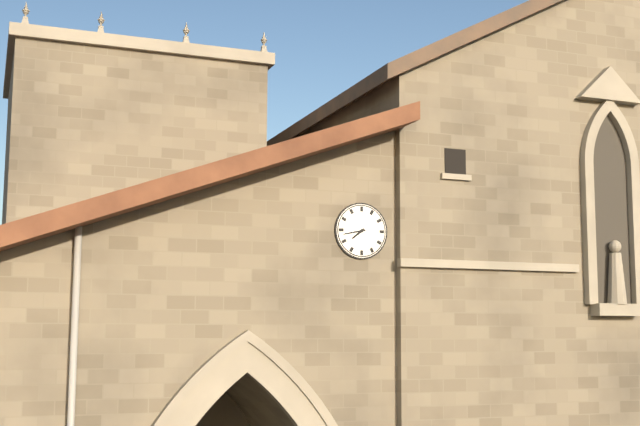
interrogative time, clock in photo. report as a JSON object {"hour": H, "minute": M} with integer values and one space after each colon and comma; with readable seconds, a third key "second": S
{"hour": 7, "minute": 43}
